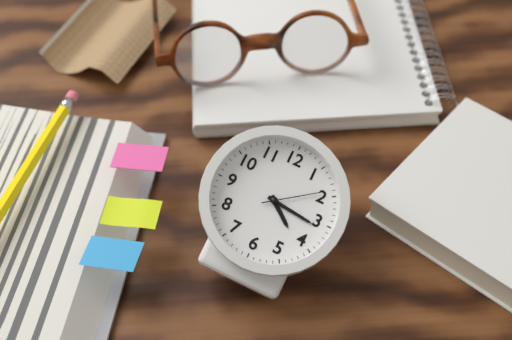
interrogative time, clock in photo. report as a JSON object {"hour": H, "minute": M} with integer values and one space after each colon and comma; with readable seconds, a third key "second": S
{"hour": 4, "minute": 16, "second": 9}
